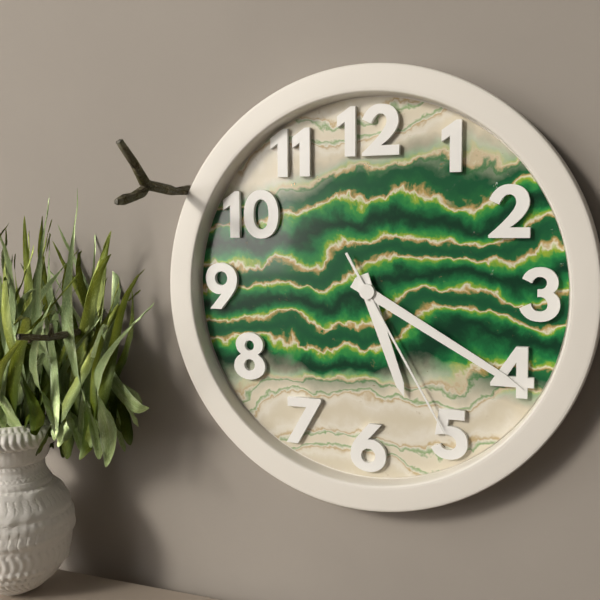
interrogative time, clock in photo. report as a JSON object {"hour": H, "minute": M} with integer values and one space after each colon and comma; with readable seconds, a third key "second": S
{"hour": 5, "minute": 20, "second": 25}
